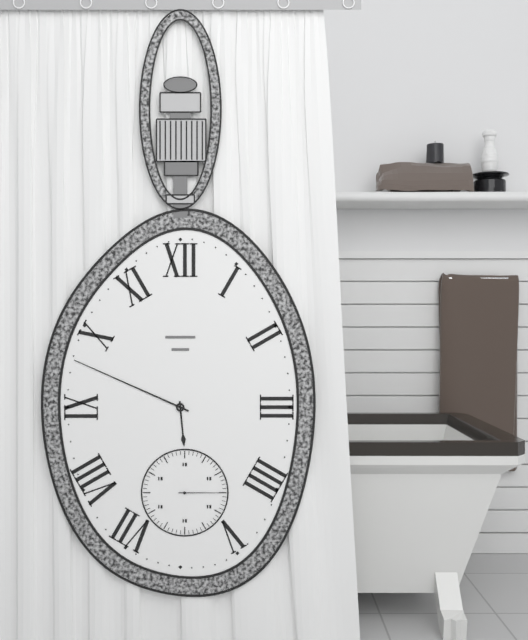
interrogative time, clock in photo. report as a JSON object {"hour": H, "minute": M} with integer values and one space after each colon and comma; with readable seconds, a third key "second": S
{"hour": 5, "minute": 49}
